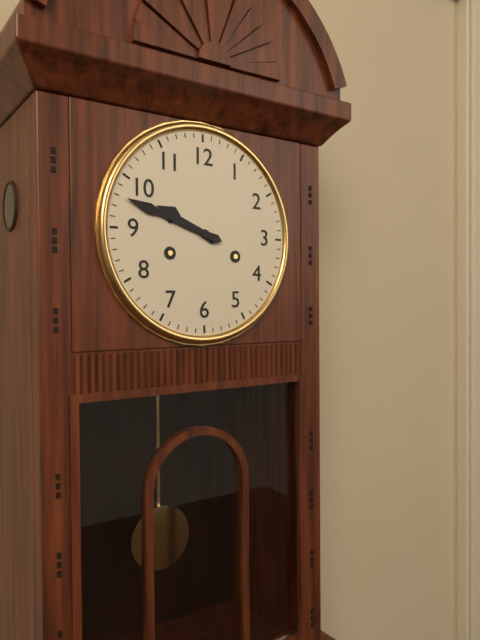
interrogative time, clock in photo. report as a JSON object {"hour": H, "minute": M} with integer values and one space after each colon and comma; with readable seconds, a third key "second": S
{"hour": 9, "minute": 48}
